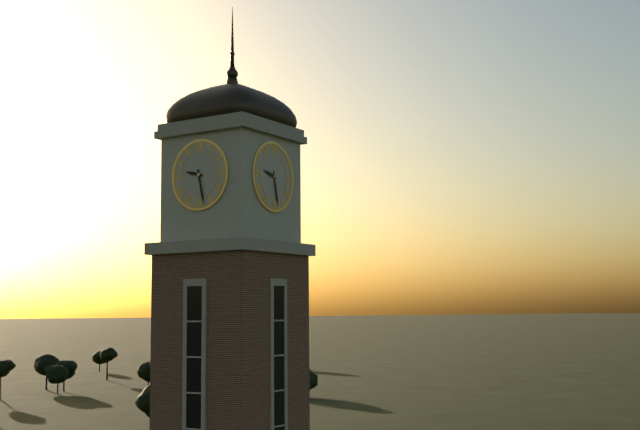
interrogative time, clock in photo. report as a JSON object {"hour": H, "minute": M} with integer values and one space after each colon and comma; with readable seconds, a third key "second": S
{"hour": 9, "minute": 28}
